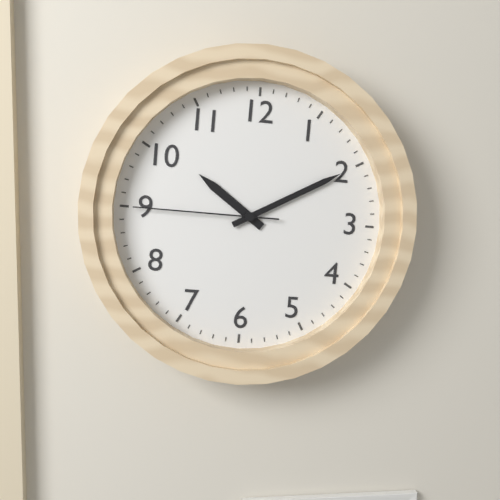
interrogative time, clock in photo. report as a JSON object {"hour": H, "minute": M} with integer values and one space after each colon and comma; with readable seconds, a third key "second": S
{"hour": 10, "minute": 10, "second": 45}
